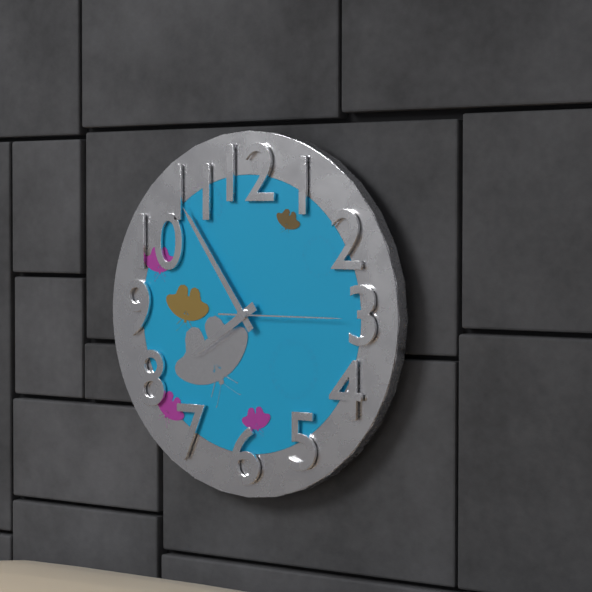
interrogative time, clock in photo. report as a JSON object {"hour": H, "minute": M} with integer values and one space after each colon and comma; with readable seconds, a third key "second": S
{"hour": 7, "minute": 54, "second": 15}
